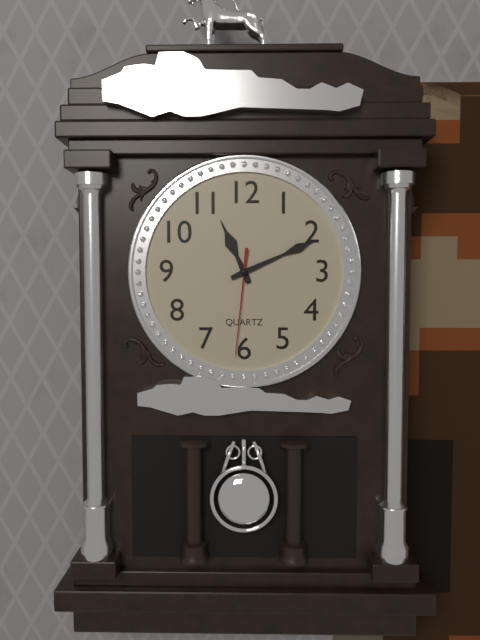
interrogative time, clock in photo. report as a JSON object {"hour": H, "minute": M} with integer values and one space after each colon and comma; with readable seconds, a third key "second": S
{"hour": 11, "minute": 11, "second": 31}
